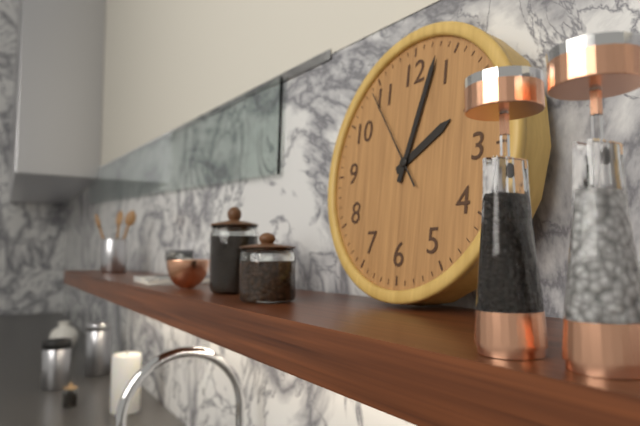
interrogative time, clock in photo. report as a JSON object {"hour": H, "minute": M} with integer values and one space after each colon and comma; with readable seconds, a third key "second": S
{"hour": 2, "minute": 3, "second": 54}
